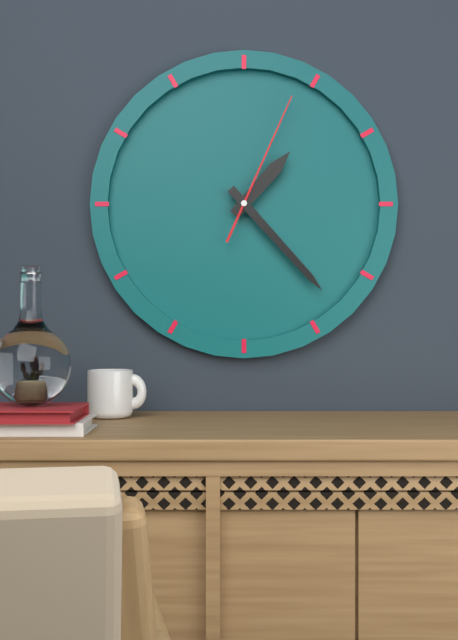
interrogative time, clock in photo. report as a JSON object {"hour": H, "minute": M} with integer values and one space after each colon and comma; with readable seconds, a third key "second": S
{"hour": 1, "minute": 23, "second": 4}
